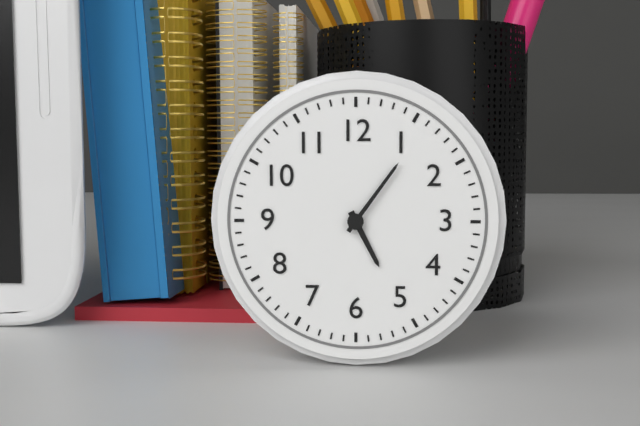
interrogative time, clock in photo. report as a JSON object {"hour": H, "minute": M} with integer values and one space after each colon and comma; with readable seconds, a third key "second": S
{"hour": 5, "minute": 6}
